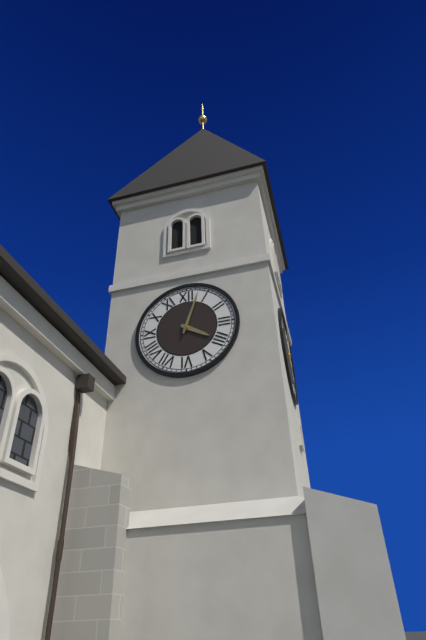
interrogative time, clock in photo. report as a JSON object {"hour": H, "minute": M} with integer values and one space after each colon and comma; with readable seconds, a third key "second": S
{"hour": 4, "minute": 3}
